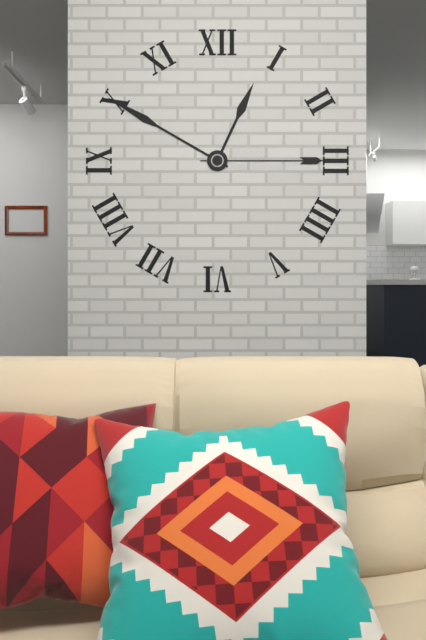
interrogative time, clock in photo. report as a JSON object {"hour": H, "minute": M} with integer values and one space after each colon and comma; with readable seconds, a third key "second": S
{"hour": 12, "minute": 50, "second": 15}
